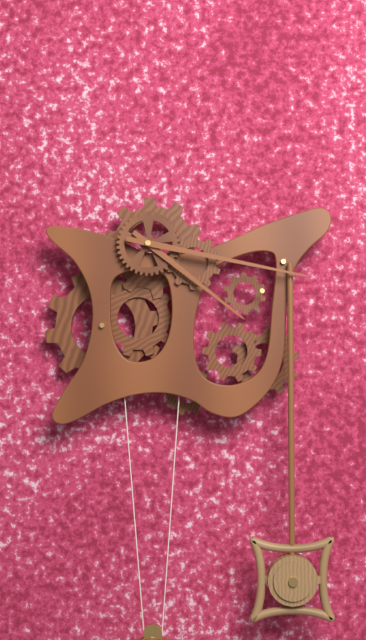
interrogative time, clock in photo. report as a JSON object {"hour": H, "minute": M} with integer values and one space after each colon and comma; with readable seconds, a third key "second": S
{"hour": 4, "minute": 17}
